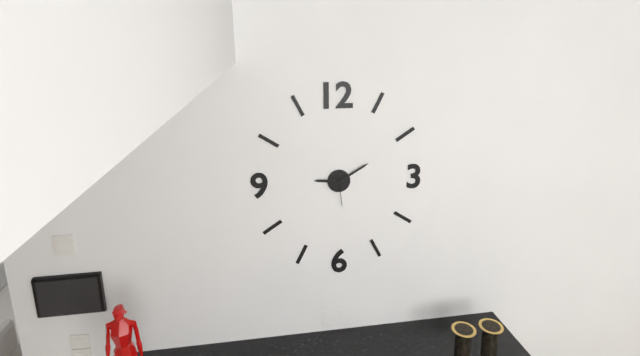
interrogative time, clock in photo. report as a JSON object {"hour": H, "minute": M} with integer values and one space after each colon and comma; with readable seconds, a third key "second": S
{"hour": 9, "minute": 10}
